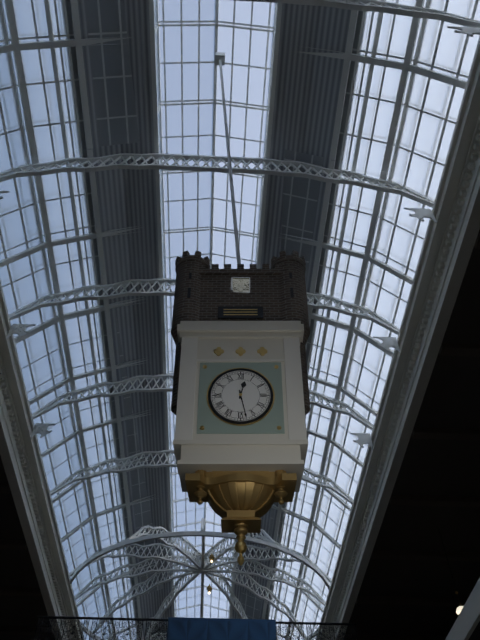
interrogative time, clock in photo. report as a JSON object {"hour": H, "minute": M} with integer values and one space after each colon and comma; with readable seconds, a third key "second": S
{"hour": 12, "minute": 28}
